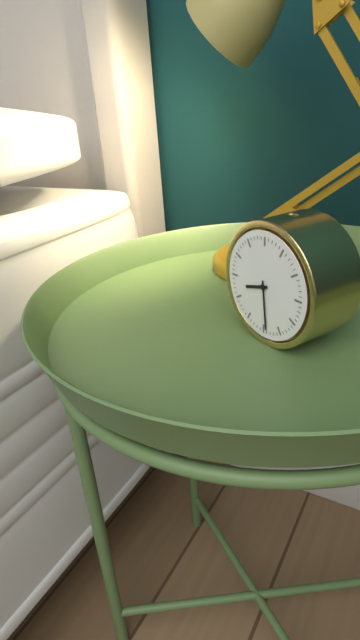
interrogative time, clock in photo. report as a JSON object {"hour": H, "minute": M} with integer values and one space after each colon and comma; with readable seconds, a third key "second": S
{"hour": 8, "minute": 29}
